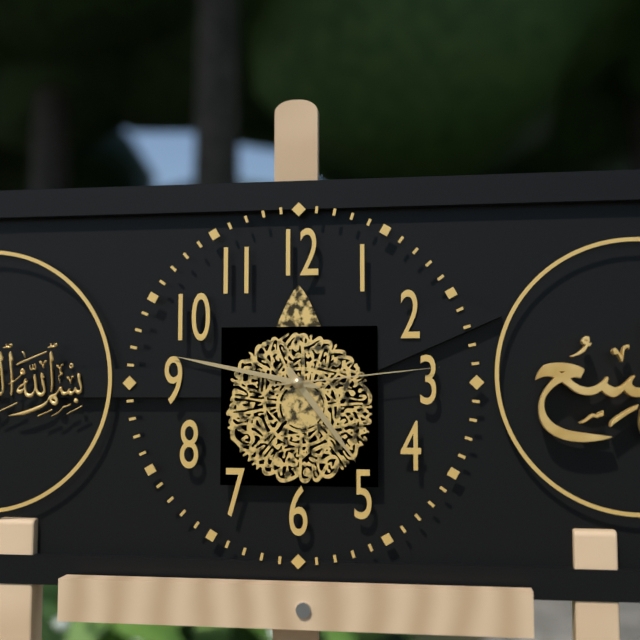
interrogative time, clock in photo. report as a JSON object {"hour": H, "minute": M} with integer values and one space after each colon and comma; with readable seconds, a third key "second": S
{"hour": 4, "minute": 47, "second": 14}
